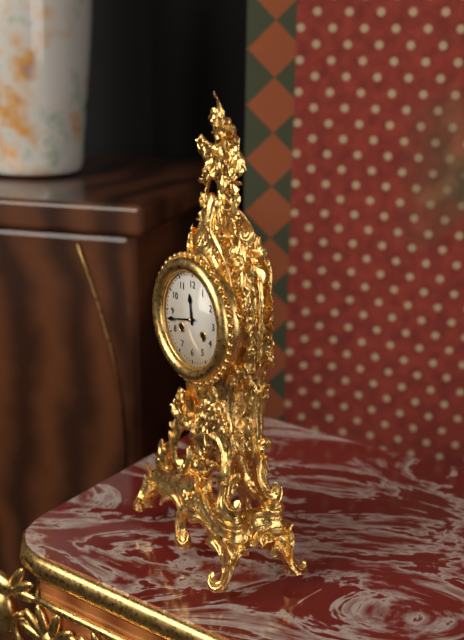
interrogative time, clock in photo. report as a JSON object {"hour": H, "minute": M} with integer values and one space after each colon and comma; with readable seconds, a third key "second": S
{"hour": 11, "minute": 43}
